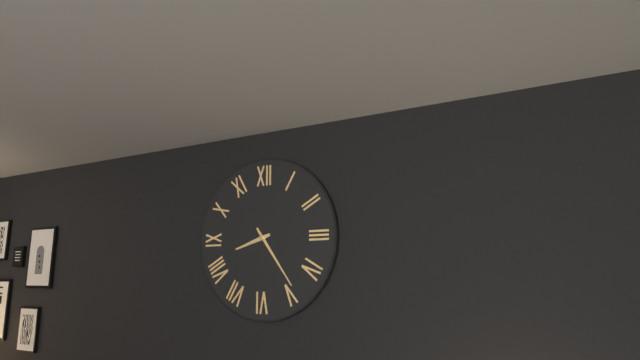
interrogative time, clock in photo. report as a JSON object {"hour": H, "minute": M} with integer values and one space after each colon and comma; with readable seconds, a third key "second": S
{"hour": 8, "minute": 24}
